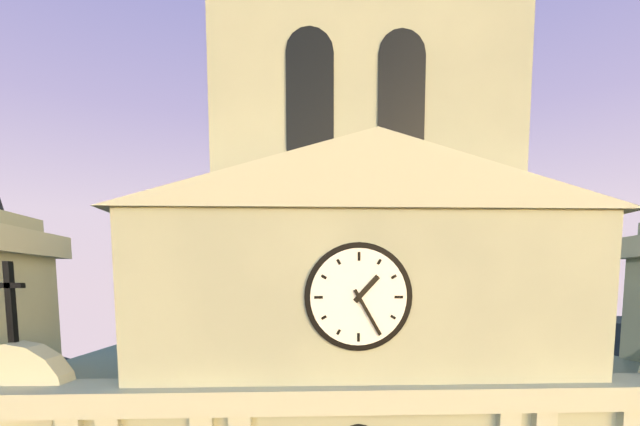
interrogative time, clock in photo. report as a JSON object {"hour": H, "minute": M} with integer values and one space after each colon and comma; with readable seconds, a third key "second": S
{"hour": 1, "minute": 25}
